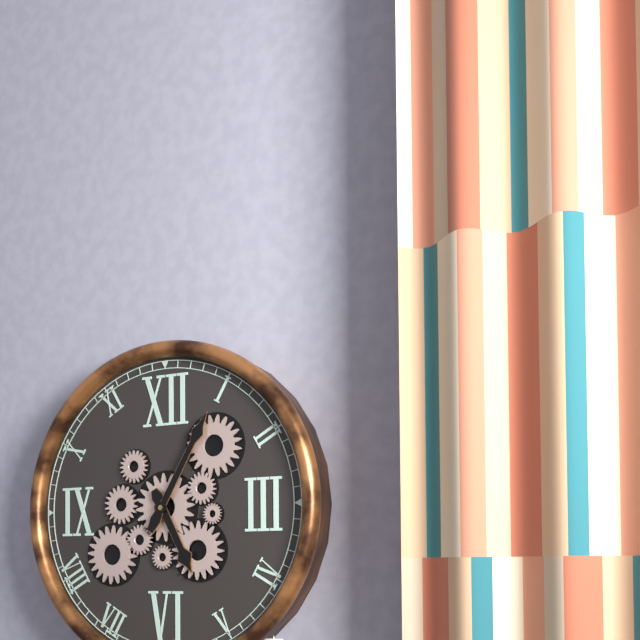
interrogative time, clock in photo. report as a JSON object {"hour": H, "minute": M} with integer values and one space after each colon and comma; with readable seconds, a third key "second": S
{"hour": 5, "minute": 5}
